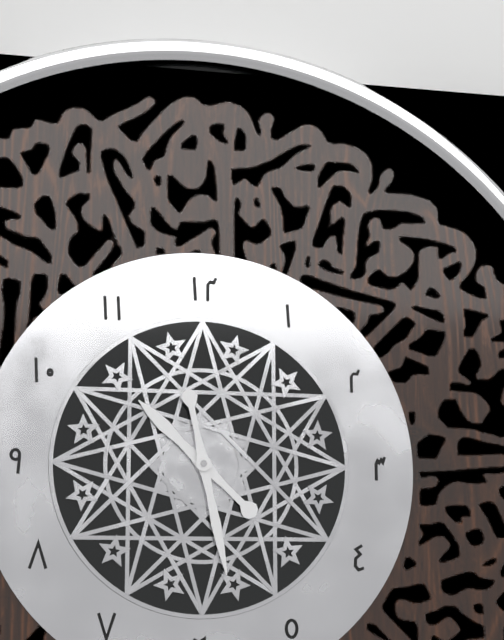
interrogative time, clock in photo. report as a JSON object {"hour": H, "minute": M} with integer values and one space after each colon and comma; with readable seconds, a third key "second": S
{"hour": 10, "minute": 28}
